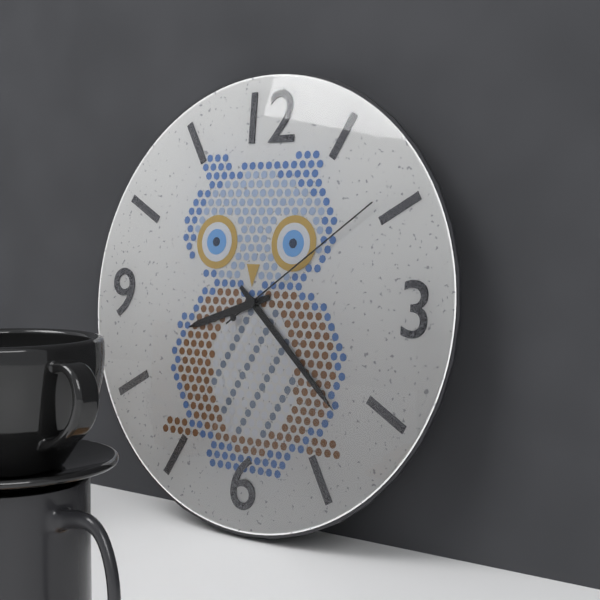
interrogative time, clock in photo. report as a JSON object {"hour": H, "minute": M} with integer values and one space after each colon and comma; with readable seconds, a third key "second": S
{"hour": 8, "minute": 22, "second": 9}
